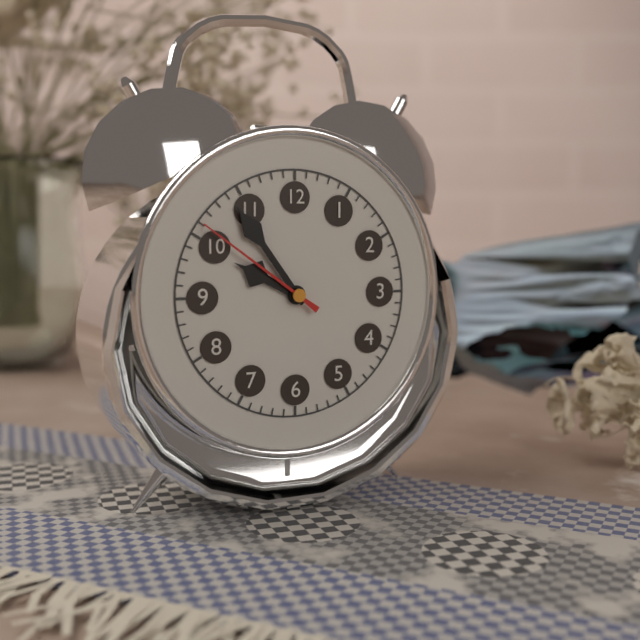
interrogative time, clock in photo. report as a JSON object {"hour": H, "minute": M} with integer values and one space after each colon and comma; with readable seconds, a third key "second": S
{"hour": 9, "minute": 54, "second": 51}
